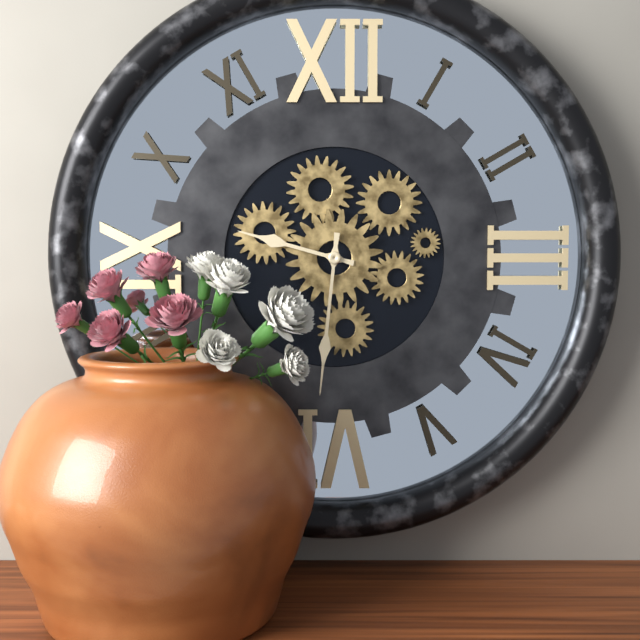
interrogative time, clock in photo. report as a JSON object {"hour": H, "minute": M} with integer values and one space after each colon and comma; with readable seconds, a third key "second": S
{"hour": 9, "minute": 31}
